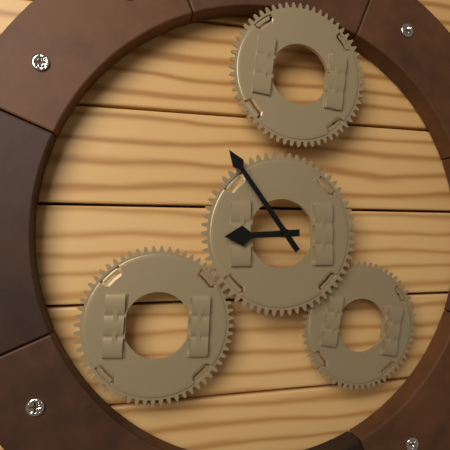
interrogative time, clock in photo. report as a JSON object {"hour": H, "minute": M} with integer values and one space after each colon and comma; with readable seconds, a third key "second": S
{"hour": 8, "minute": 54}
